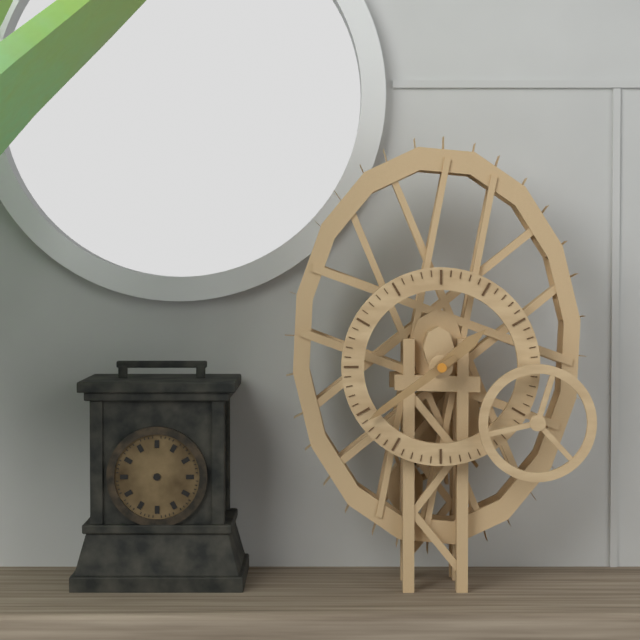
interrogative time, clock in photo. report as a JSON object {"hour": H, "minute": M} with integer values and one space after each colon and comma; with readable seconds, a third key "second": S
{"hour": 1, "minute": 39}
